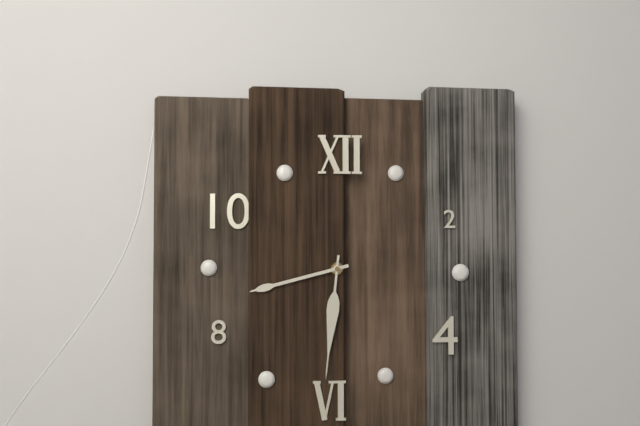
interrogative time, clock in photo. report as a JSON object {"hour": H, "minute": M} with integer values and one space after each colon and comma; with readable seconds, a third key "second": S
{"hour": 8, "minute": 31}
